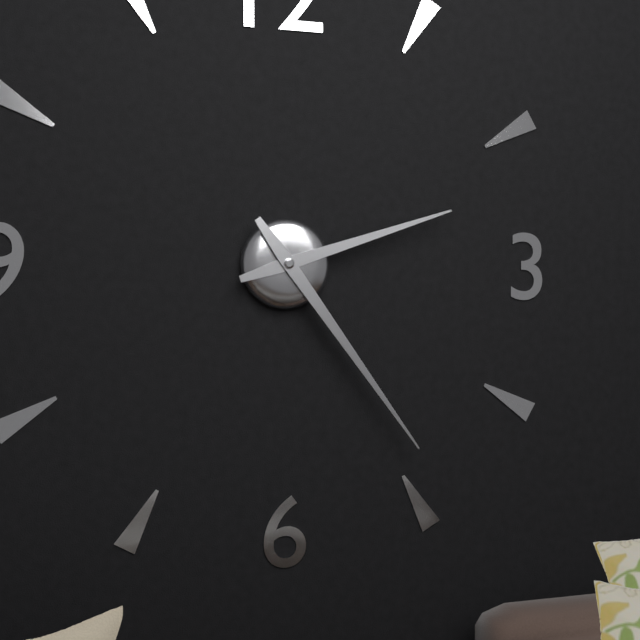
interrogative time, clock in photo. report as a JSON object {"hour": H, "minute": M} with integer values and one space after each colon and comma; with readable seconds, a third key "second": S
{"hour": 2, "minute": 24}
